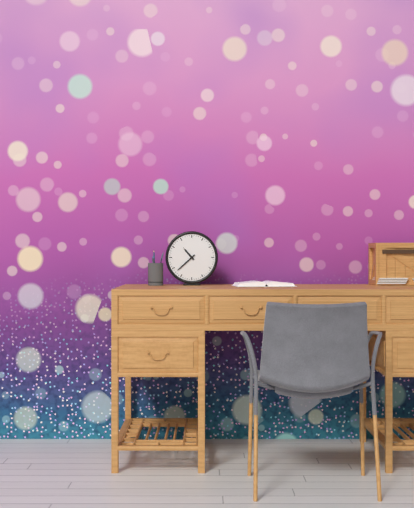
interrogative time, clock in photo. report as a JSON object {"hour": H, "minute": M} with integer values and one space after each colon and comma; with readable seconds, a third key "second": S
{"hour": 10, "minute": 38}
